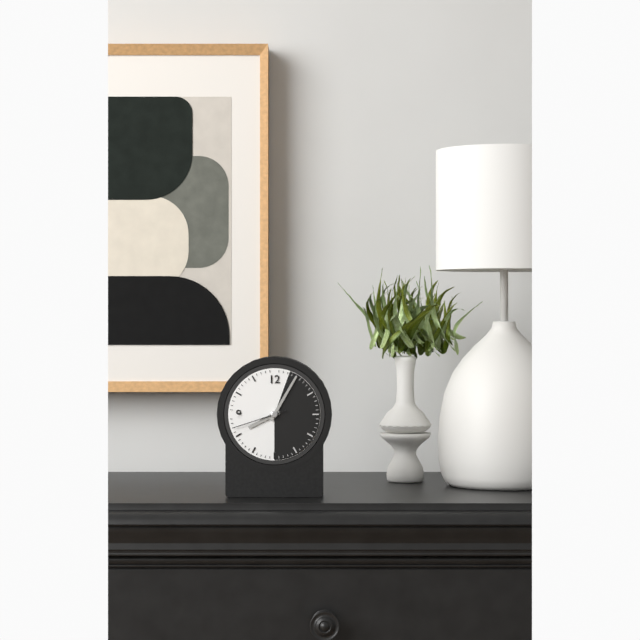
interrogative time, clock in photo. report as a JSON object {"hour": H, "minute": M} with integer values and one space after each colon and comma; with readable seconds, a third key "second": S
{"hour": 8, "minute": 5, "second": 42}
